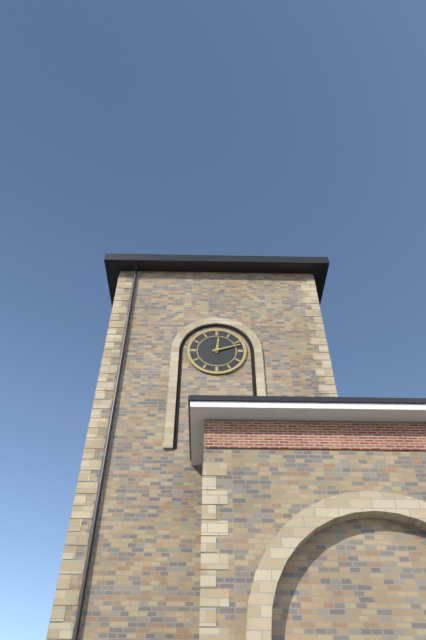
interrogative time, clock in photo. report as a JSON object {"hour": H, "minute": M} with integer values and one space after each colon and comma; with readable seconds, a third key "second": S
{"hour": 12, "minute": 12}
